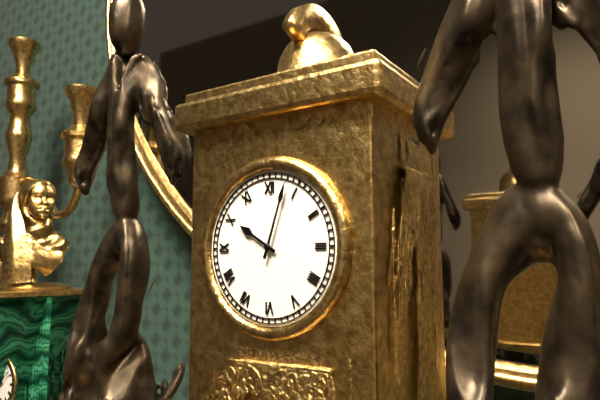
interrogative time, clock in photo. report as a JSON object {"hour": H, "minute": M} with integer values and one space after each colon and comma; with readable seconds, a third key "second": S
{"hour": 10, "minute": 3}
